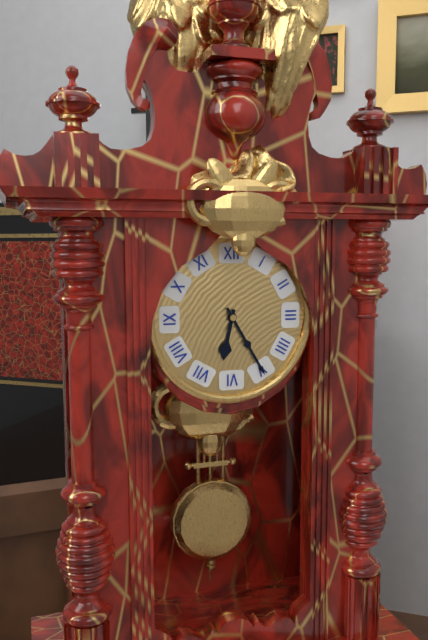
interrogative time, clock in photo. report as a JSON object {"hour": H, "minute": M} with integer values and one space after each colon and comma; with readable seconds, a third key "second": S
{"hour": 6, "minute": 25}
